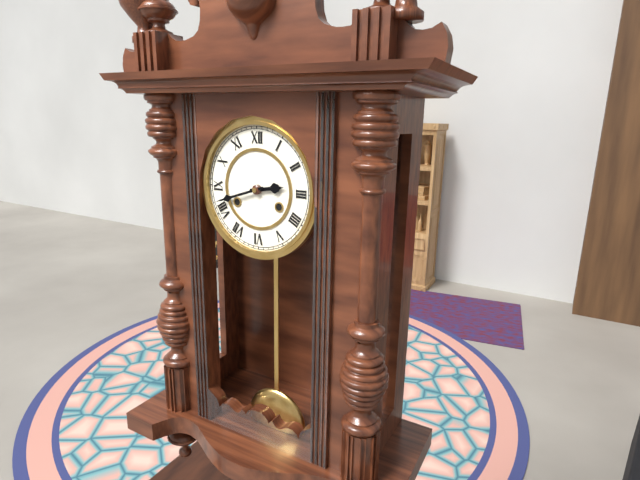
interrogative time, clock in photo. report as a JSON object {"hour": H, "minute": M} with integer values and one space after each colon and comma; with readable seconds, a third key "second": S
{"hour": 2, "minute": 42}
